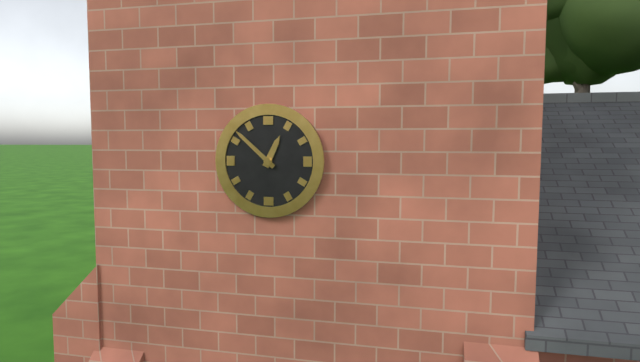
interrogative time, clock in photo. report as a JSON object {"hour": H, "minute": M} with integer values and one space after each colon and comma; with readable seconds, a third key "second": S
{"hour": 12, "minute": 52}
